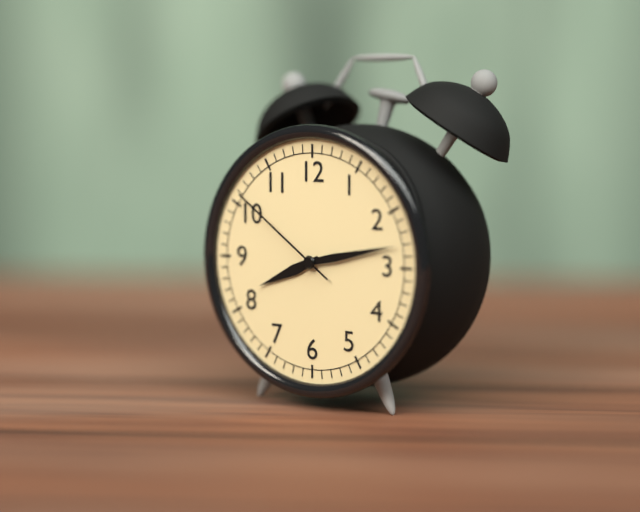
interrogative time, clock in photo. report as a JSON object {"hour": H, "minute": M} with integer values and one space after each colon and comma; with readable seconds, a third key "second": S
{"hour": 8, "minute": 13, "second": 51}
